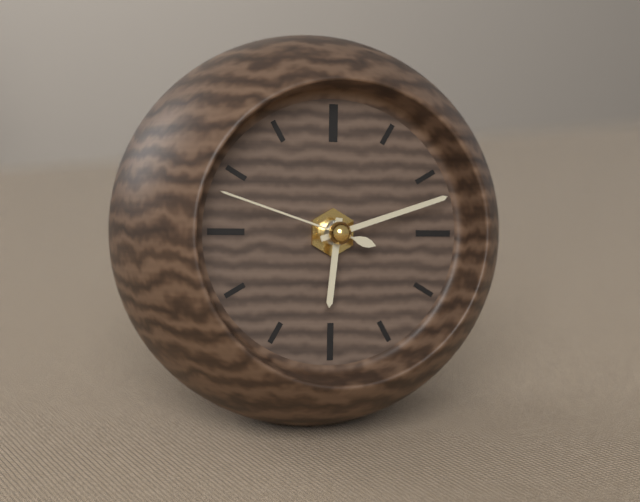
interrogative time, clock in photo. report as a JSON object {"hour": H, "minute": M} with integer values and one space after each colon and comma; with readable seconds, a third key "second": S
{"hour": 6, "minute": 12, "second": 48}
